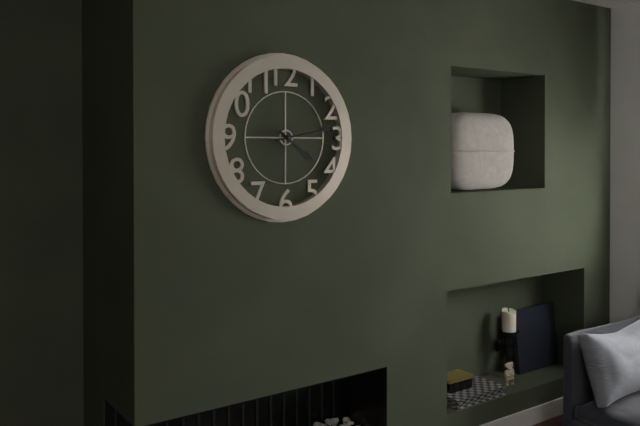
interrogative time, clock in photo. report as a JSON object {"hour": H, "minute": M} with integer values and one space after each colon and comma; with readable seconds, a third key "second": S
{"hour": 4, "minute": 13}
